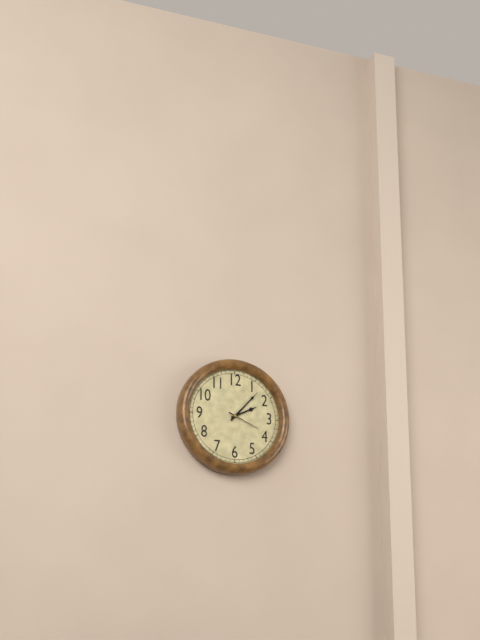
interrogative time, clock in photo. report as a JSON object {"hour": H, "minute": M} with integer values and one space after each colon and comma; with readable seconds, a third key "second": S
{"hour": 2, "minute": 7}
